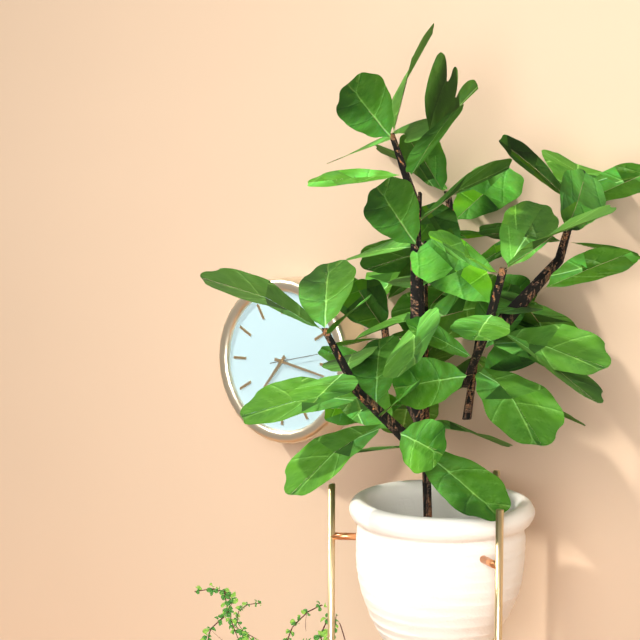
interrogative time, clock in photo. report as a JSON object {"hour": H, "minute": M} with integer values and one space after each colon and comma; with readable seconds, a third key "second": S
{"hour": 7, "minute": 17, "second": 13}
